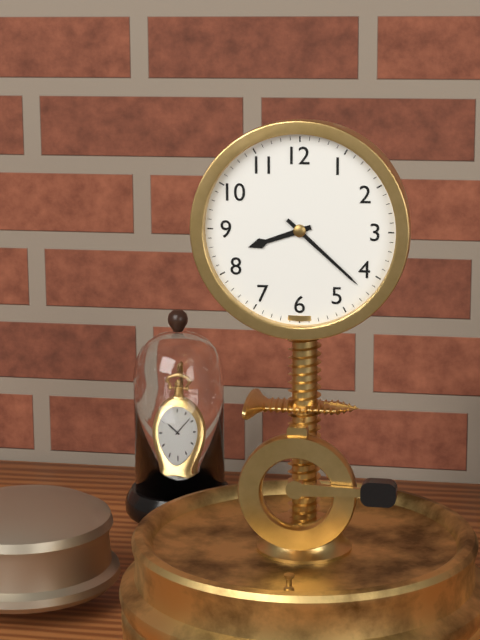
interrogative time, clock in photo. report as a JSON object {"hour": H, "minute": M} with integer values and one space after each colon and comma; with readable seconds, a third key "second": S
{"hour": 8, "minute": 22}
